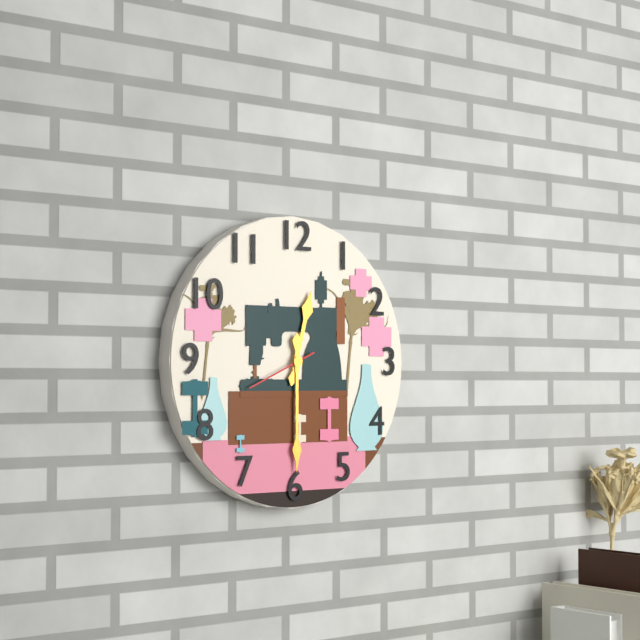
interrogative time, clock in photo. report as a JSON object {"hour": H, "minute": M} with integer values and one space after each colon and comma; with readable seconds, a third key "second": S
{"hour": 12, "minute": 30, "second": 41}
